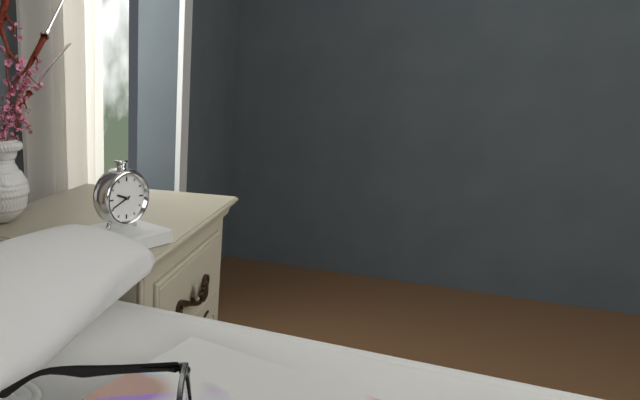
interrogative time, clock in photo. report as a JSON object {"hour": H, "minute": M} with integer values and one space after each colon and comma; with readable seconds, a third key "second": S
{"hour": 9, "minute": 41}
